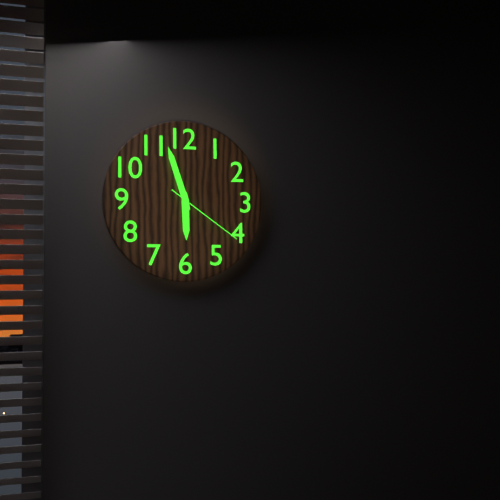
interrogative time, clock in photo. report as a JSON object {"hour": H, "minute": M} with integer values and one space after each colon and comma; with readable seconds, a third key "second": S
{"hour": 5, "minute": 57, "second": 21}
